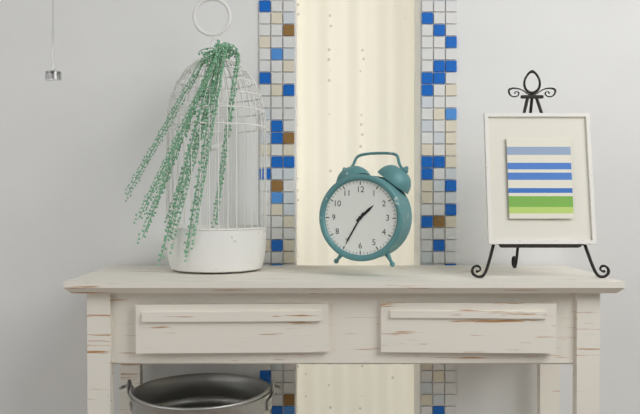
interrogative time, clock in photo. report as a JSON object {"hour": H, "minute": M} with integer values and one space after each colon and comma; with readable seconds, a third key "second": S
{"hour": 1, "minute": 35}
